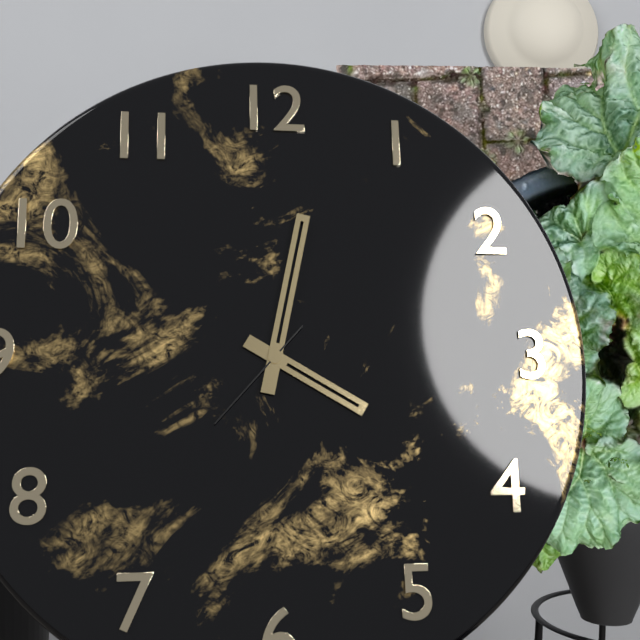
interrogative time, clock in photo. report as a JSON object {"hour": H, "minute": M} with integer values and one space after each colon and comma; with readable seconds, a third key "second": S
{"hour": 4, "minute": 2, "second": 37}
